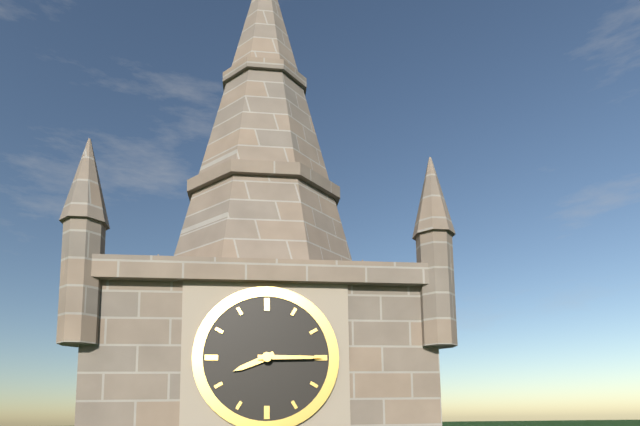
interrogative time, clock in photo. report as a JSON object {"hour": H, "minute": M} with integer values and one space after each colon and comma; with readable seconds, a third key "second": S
{"hour": 8, "minute": 15}
